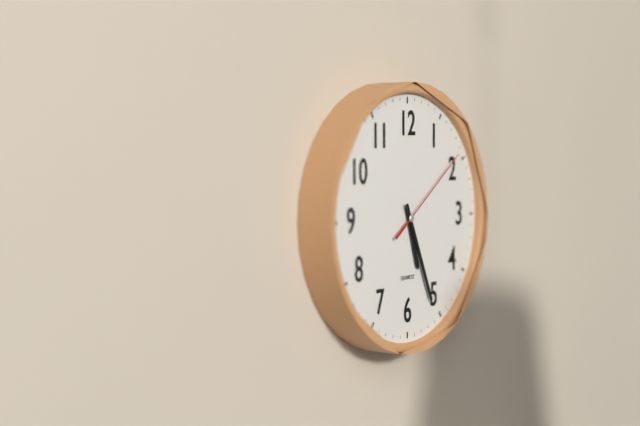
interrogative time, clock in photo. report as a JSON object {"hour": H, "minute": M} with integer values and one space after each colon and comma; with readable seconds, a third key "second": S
{"hour": 5, "minute": 26, "second": 9}
